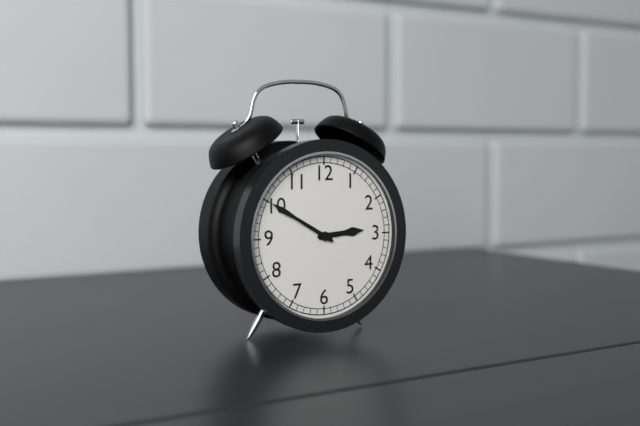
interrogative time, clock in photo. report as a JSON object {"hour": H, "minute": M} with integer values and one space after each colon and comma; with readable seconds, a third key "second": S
{"hour": 2, "minute": 50}
